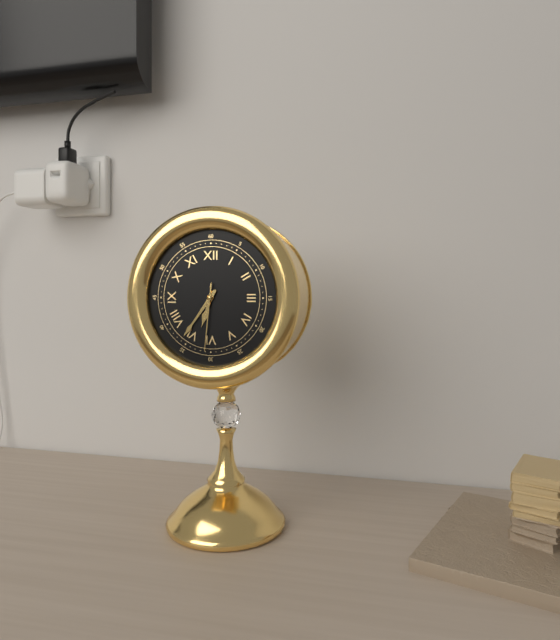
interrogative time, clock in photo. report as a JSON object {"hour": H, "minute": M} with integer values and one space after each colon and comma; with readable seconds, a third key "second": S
{"hour": 6, "minute": 36, "second": 31}
